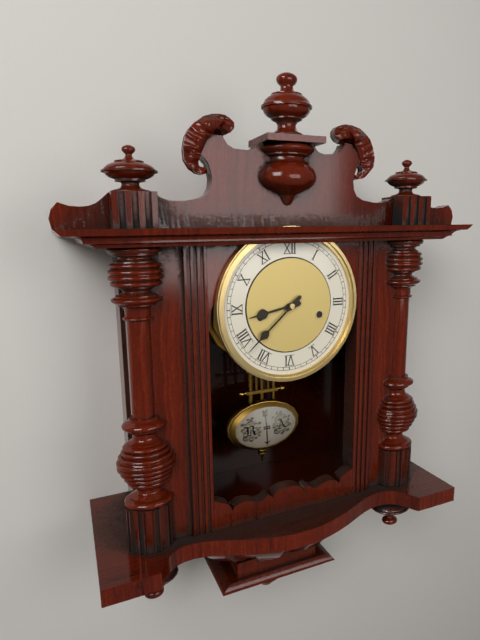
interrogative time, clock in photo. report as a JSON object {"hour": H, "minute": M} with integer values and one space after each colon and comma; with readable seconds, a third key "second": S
{"hour": 8, "minute": 38}
